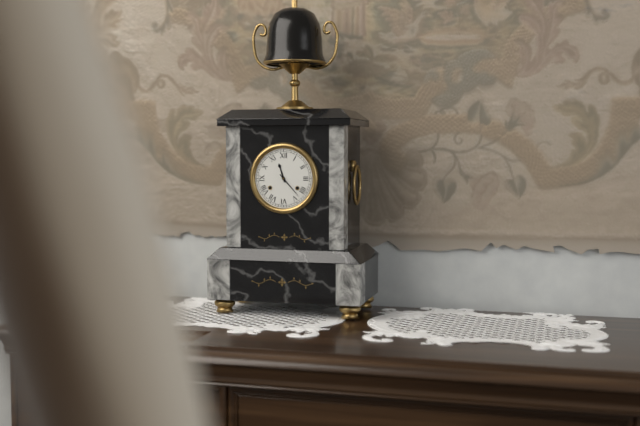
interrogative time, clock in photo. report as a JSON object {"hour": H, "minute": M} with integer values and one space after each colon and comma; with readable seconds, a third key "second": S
{"hour": 11, "minute": 23}
